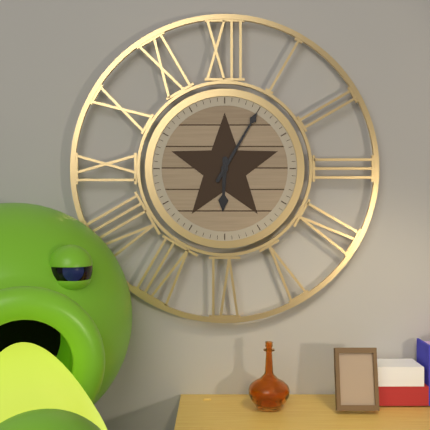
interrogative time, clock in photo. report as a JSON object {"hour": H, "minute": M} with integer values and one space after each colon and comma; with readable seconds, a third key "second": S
{"hour": 6, "minute": 5}
